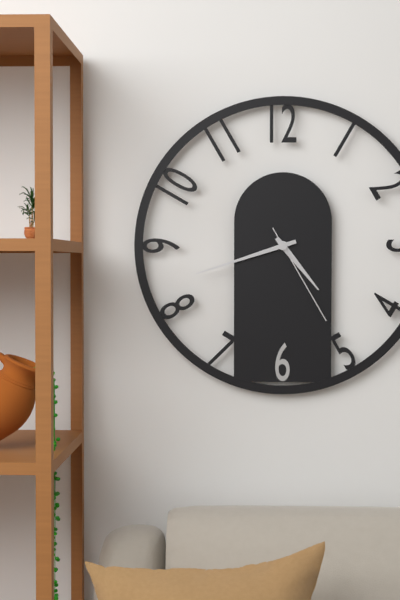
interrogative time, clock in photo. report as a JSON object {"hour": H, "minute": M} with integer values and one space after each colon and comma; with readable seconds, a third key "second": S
{"hour": 4, "minute": 42, "second": 25}
